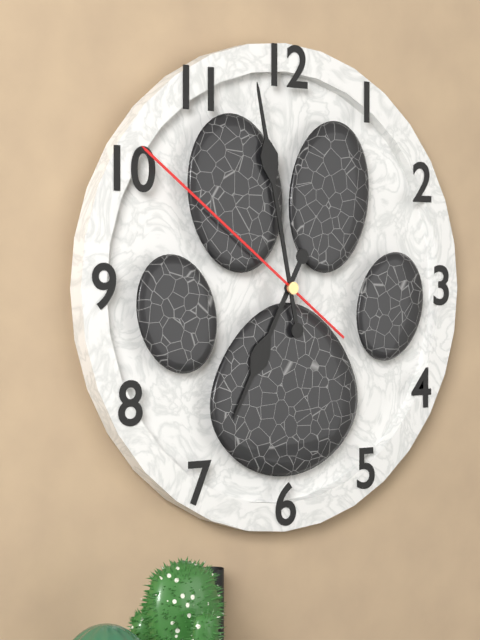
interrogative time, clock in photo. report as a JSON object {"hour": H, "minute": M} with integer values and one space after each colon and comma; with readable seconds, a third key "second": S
{"hour": 6, "minute": 58, "second": 51}
